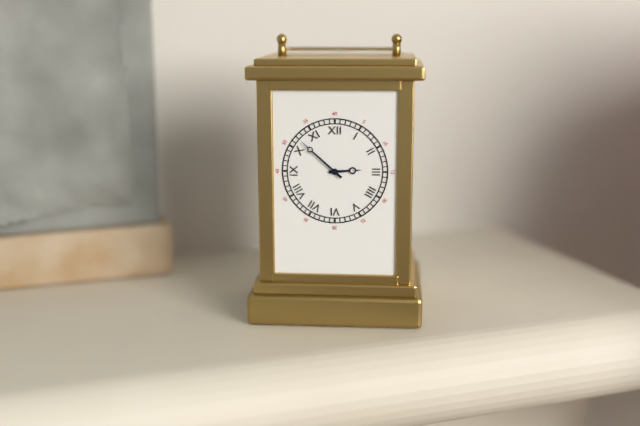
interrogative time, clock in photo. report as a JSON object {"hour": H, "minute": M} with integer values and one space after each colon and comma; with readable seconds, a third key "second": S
{"hour": 2, "minute": 52}
